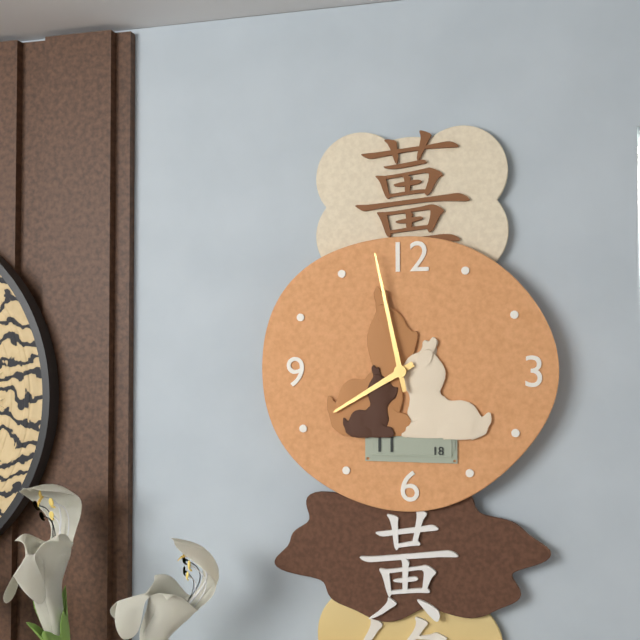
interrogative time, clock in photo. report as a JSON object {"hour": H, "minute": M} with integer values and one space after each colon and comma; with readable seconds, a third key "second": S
{"hour": 7, "minute": 58}
